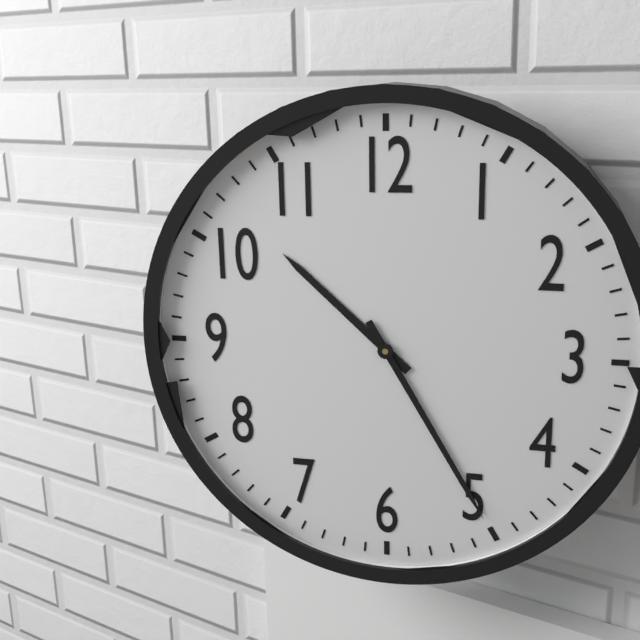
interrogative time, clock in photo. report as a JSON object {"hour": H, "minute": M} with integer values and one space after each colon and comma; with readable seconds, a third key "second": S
{"hour": 10, "minute": 25}
